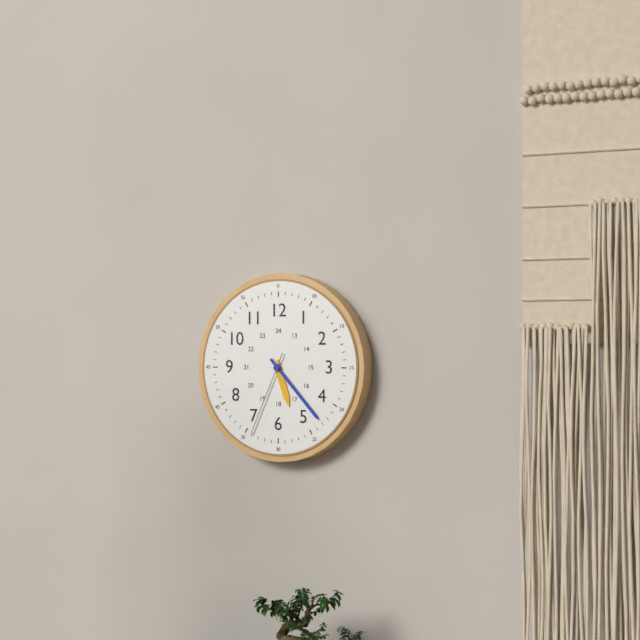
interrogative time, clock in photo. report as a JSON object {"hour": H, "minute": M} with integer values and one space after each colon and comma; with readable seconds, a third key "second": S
{"hour": 5, "minute": 23, "second": 34}
